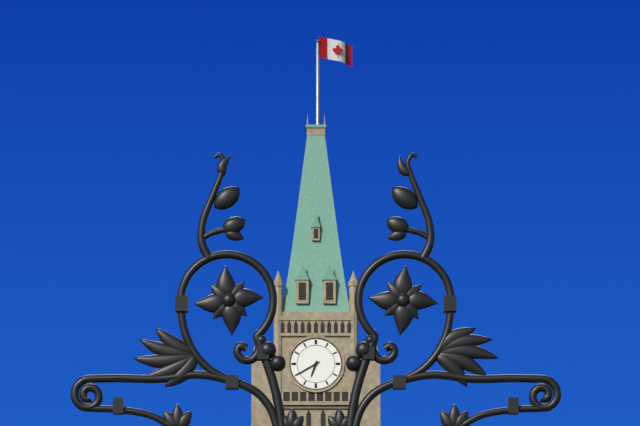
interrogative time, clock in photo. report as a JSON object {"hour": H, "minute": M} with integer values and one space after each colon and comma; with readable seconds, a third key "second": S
{"hour": 6, "minute": 40}
